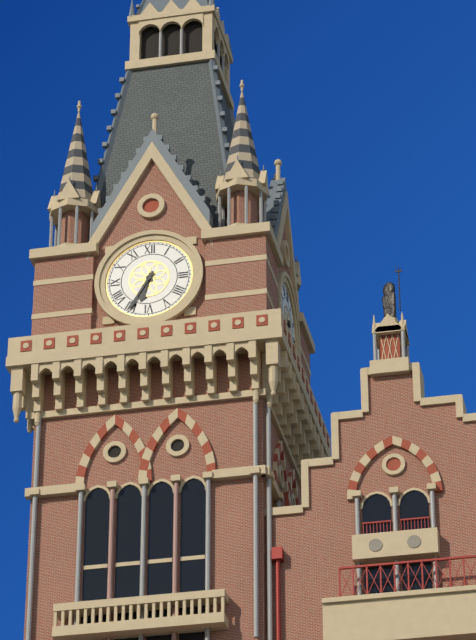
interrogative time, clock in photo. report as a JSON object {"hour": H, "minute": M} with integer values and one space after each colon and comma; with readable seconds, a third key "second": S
{"hour": 6, "minute": 35}
